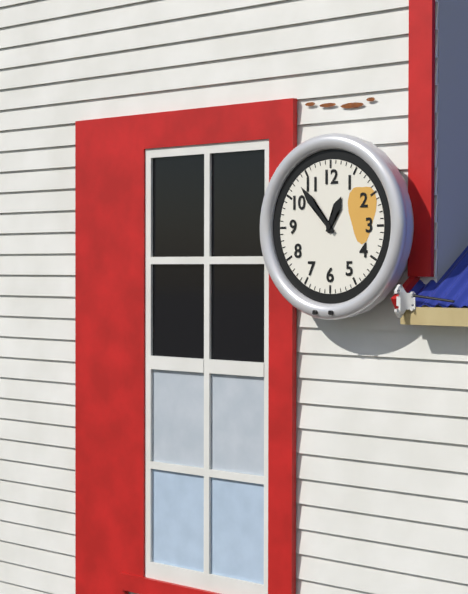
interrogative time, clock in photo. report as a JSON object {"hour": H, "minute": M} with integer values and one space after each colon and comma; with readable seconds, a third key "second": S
{"hour": 12, "minute": 53}
